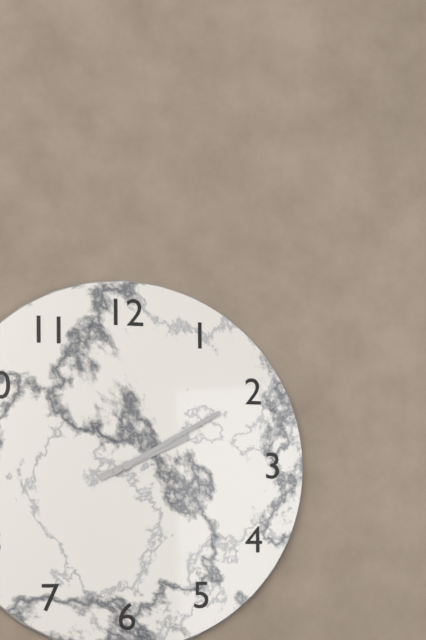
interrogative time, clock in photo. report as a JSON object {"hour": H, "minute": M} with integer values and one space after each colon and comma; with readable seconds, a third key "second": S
{"hour": 2, "minute": 10}
